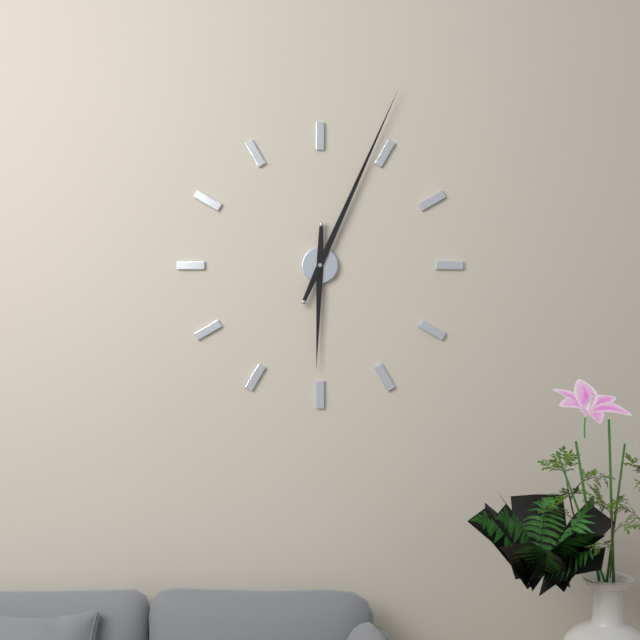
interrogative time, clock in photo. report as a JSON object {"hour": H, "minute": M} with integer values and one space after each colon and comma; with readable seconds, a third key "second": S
{"hour": 6, "minute": 4}
